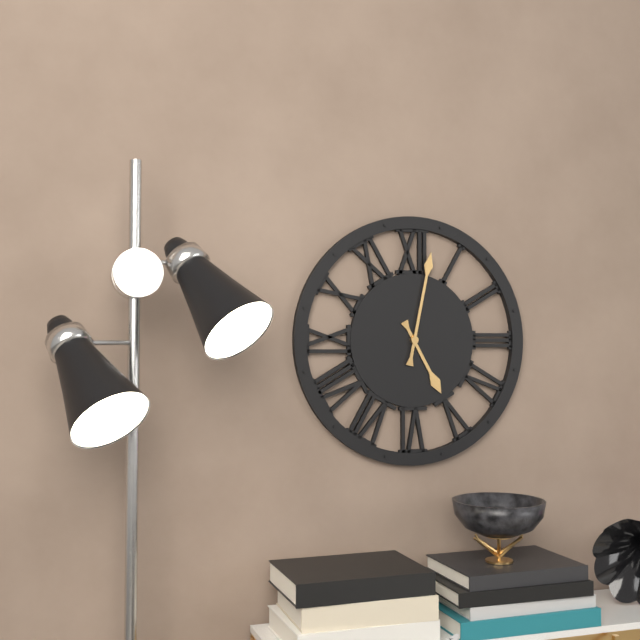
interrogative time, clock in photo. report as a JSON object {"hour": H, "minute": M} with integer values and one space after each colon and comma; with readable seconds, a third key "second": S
{"hour": 5, "minute": 2}
